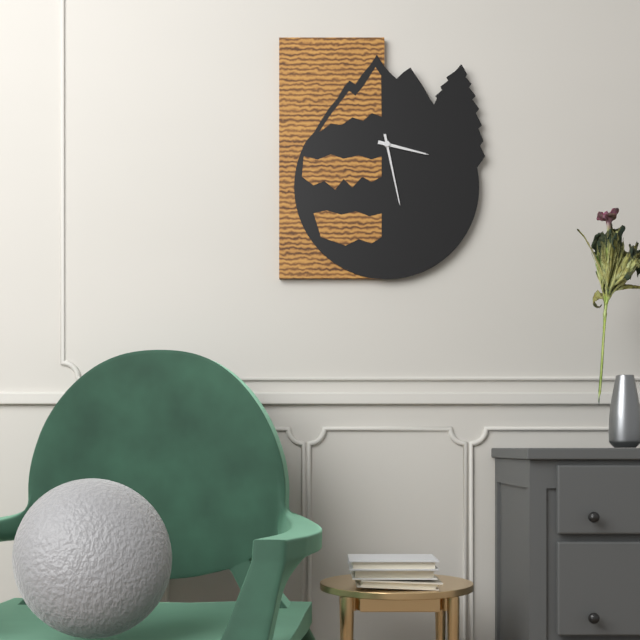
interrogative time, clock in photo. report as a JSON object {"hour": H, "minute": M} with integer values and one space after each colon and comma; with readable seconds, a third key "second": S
{"hour": 3, "minute": 28}
